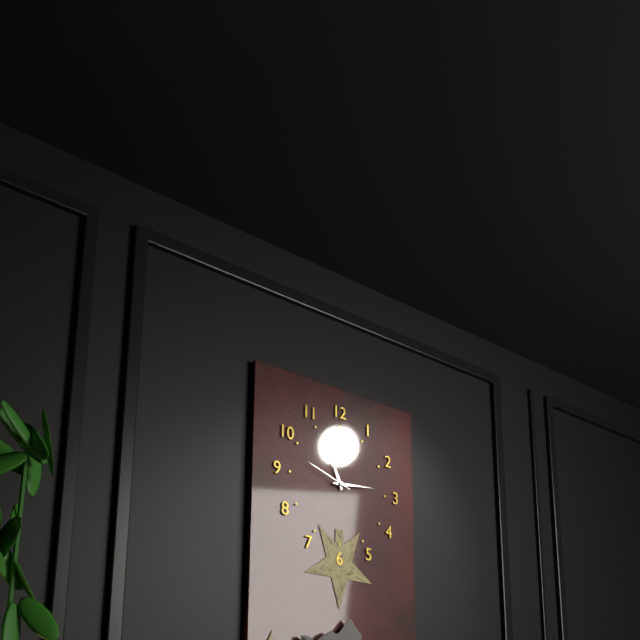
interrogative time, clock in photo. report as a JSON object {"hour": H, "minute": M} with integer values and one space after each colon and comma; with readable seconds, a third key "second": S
{"hour": 11, "minute": 14, "second": 48}
